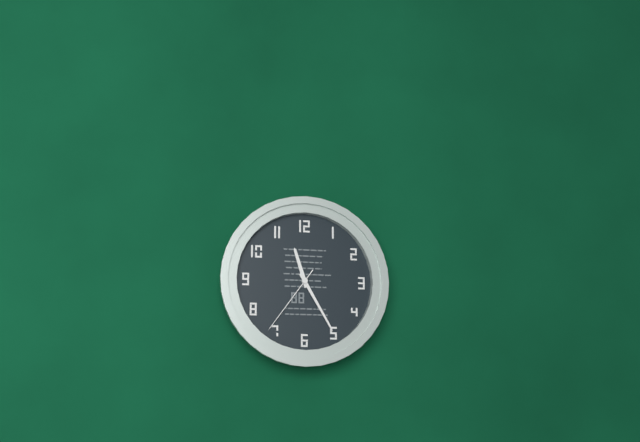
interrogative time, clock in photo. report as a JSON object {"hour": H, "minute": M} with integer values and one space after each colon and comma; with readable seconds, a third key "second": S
{"hour": 11, "minute": 25, "second": 36}
